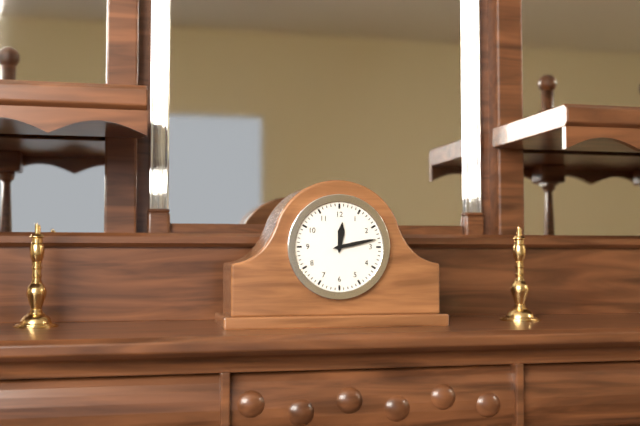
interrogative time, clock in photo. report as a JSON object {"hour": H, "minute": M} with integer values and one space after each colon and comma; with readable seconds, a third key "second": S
{"hour": 12, "minute": 13}
